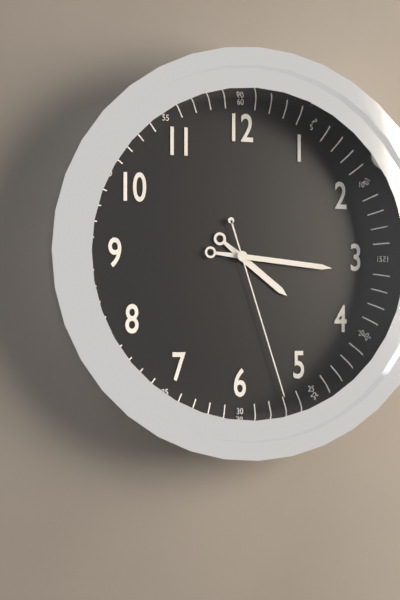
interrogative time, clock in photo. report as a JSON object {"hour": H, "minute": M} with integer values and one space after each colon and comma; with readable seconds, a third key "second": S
{"hour": 4, "minute": 16, "second": 27}
